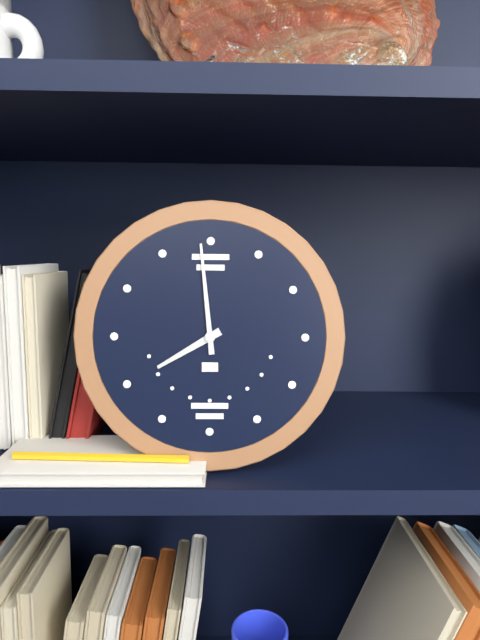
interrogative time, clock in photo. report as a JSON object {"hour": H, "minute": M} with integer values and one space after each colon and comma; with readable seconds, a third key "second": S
{"hour": 7, "minute": 59}
